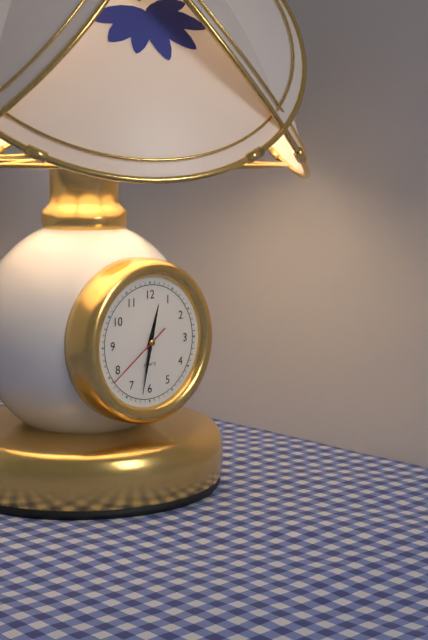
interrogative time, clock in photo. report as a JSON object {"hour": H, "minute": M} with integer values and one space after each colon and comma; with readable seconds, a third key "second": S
{"hour": 12, "minute": 32, "second": 39}
